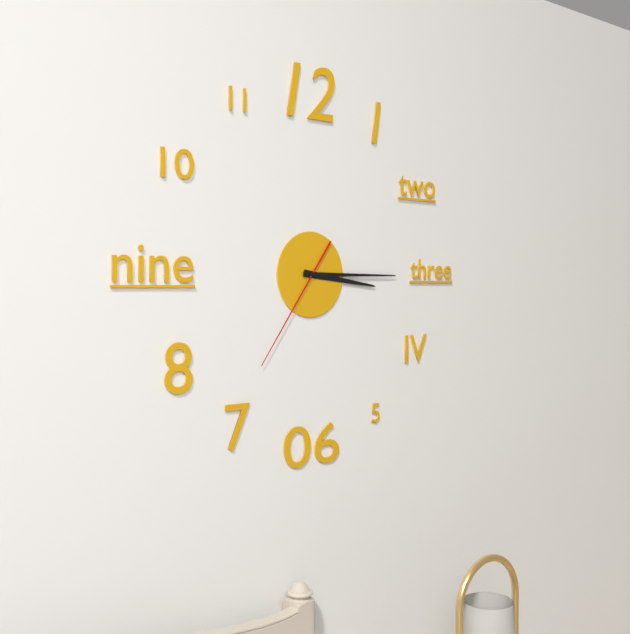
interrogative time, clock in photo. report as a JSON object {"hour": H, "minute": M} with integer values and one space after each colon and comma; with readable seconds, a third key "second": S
{"hour": 3, "minute": 15, "second": 36}
